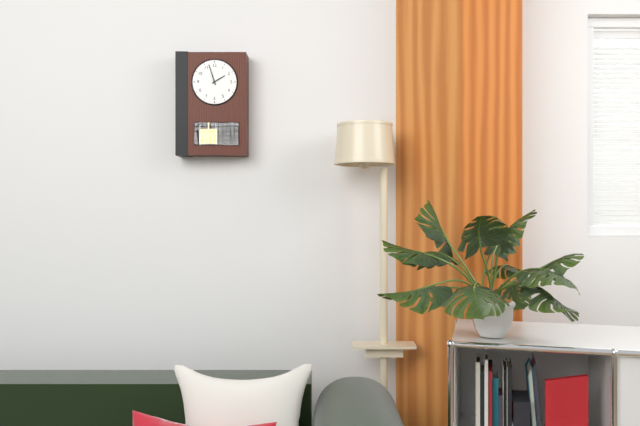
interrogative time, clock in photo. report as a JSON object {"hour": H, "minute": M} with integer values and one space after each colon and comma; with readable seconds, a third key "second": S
{"hour": 1, "minute": 57}
